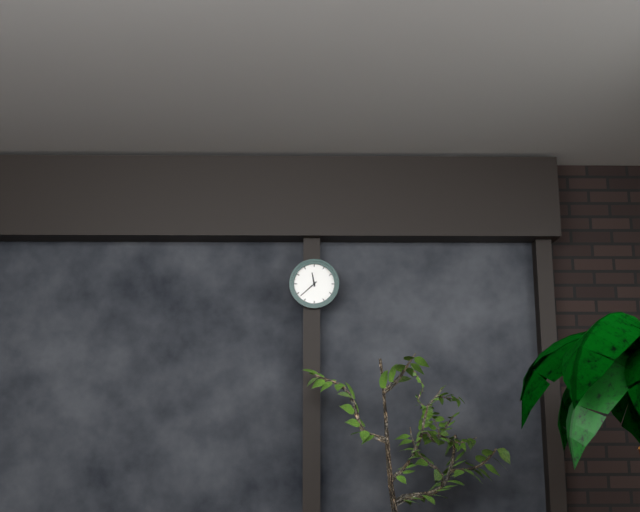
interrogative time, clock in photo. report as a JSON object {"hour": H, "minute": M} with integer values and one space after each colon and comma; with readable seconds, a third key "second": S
{"hour": 11, "minute": 38}
